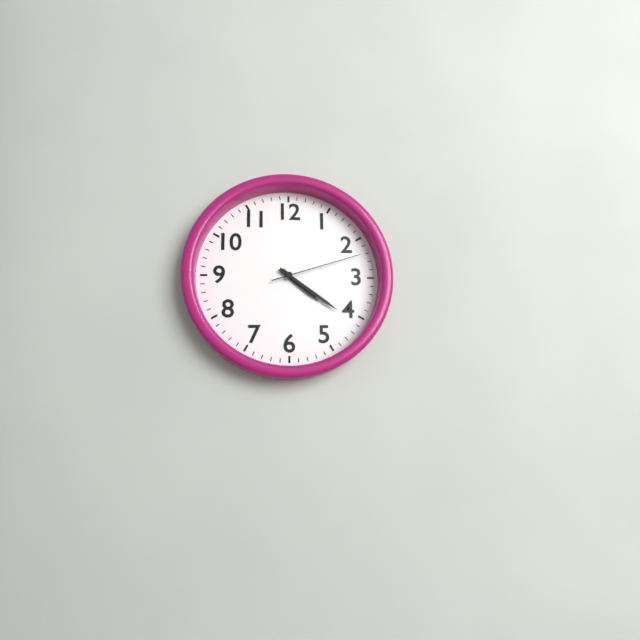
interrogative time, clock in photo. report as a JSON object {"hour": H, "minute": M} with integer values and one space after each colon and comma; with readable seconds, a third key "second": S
{"hour": 4, "minute": 21, "second": 12}
